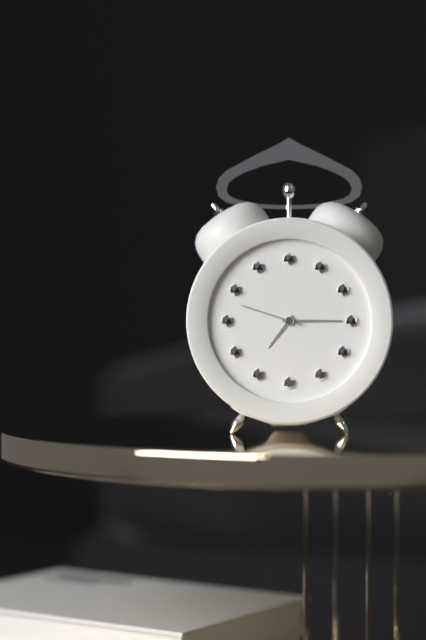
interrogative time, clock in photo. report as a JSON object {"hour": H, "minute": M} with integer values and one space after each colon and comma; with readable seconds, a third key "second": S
{"hour": 7, "minute": 15, "second": 48}
